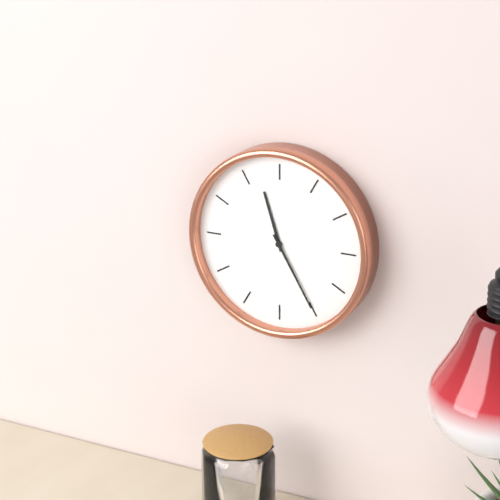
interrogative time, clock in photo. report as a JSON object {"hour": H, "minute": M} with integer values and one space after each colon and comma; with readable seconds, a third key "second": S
{"hour": 11, "minute": 25}
